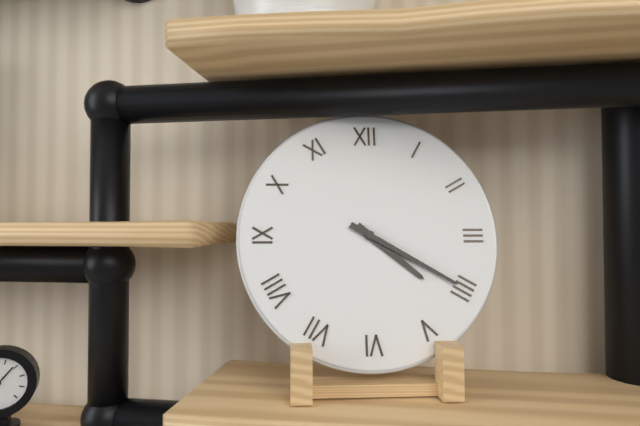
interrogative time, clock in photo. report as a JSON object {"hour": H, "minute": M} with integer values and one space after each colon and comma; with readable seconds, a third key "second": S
{"hour": 4, "minute": 20}
